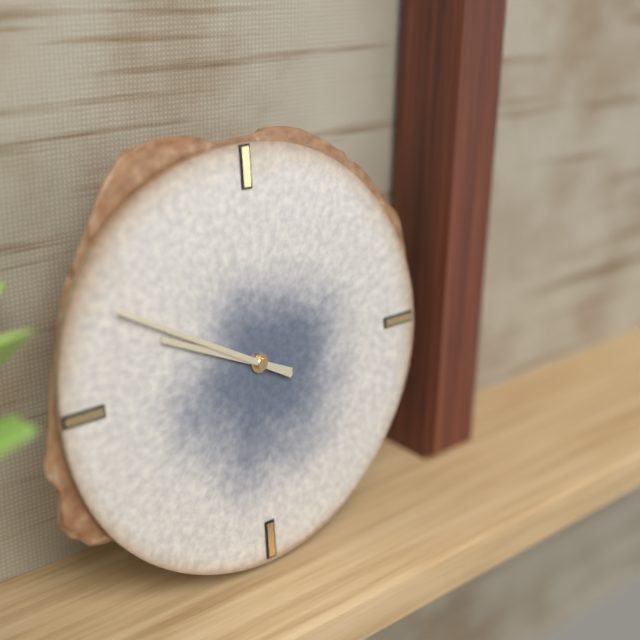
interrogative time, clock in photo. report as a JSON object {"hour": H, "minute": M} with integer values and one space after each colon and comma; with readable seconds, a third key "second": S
{"hour": 9, "minute": 50}
